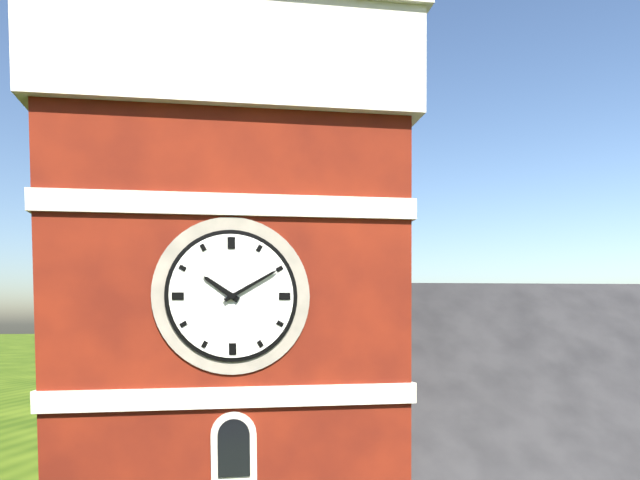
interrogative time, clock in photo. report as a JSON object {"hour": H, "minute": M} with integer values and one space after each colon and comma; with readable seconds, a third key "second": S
{"hour": 10, "minute": 10}
